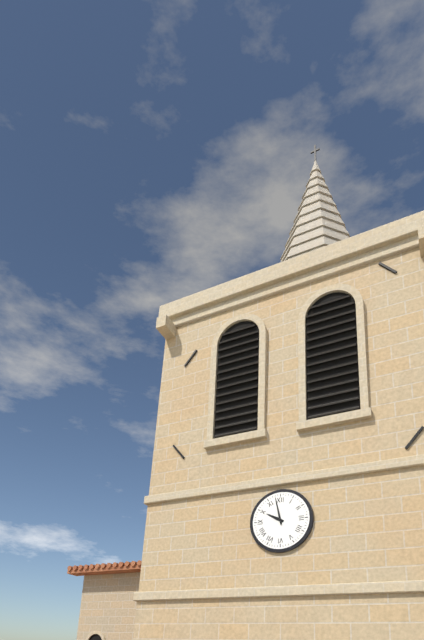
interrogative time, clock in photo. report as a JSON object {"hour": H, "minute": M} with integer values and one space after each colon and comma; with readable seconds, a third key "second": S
{"hour": 9, "minute": 58}
